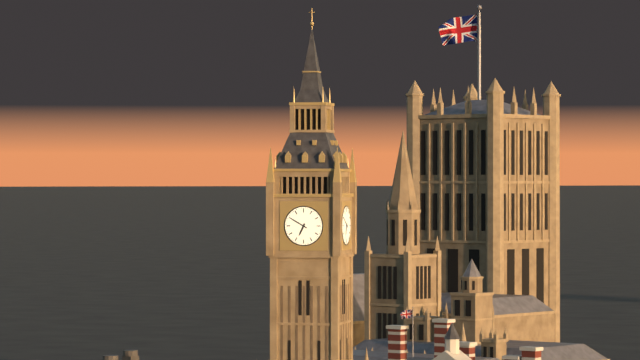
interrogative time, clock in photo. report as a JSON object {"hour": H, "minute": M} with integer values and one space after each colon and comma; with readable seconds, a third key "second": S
{"hour": 6, "minute": 50}
